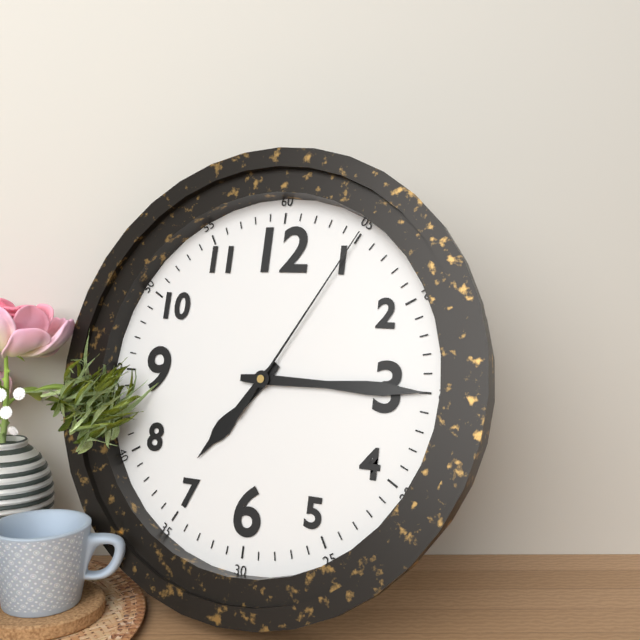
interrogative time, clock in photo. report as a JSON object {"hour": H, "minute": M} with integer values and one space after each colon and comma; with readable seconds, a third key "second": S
{"hour": 7, "minute": 15, "second": 5}
